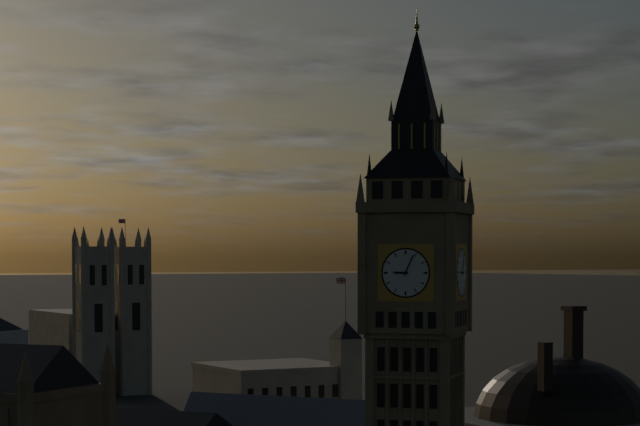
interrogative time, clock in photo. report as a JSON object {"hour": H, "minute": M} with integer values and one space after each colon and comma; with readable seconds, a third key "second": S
{"hour": 9, "minute": 4}
